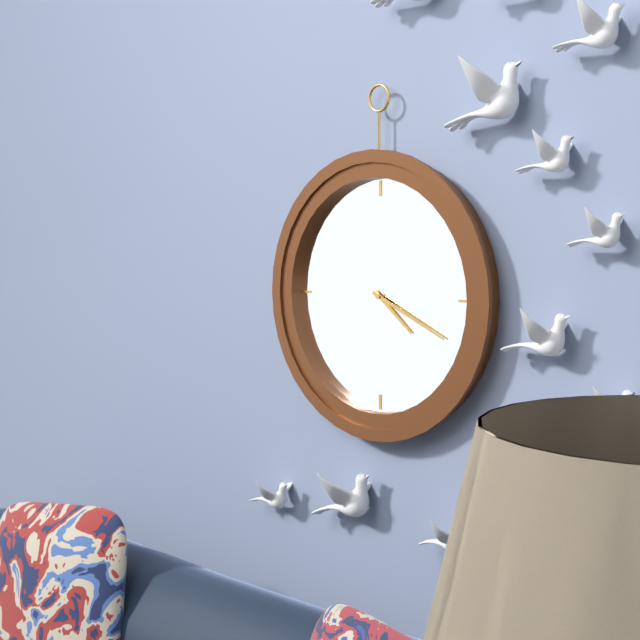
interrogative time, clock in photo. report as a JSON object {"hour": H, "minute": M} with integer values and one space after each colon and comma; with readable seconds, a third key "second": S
{"hour": 4, "minute": 19}
